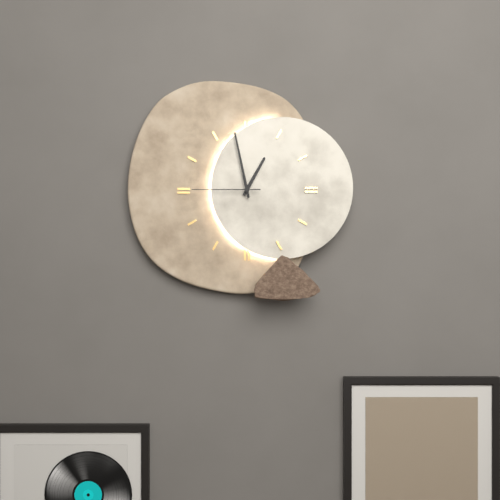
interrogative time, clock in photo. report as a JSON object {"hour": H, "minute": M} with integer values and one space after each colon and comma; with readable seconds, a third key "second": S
{"hour": 12, "minute": 58, "second": 45}
